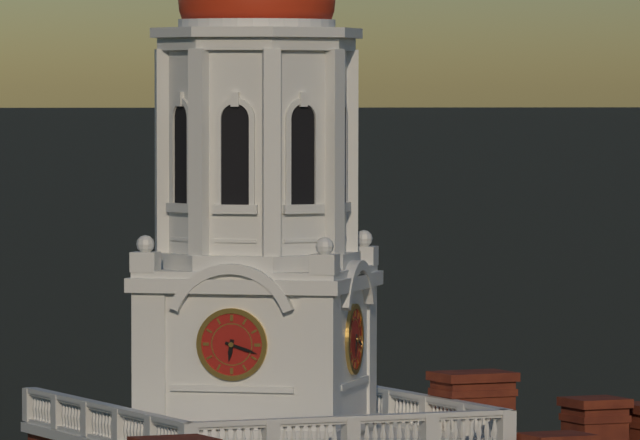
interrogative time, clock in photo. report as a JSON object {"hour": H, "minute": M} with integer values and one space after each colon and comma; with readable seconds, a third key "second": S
{"hour": 6, "minute": 18}
